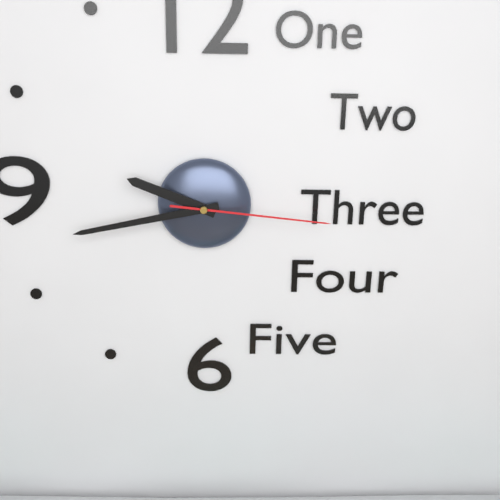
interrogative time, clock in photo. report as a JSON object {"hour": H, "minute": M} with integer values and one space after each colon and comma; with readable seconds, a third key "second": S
{"hour": 9, "minute": 43, "second": 16}
